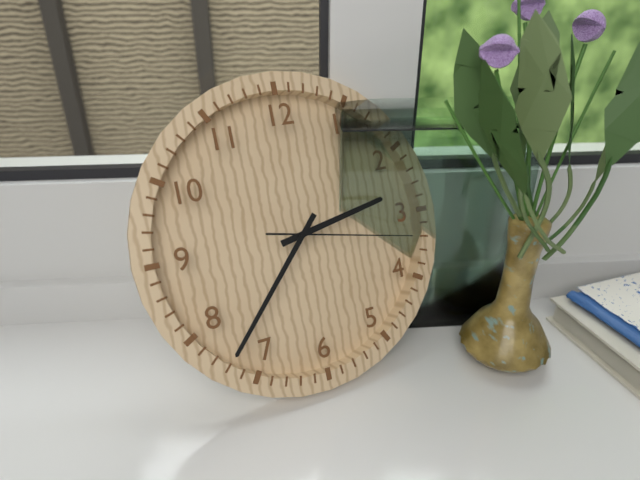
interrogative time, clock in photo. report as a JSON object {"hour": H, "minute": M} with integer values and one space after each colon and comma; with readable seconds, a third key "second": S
{"hour": 2, "minute": 37, "second": 17}
